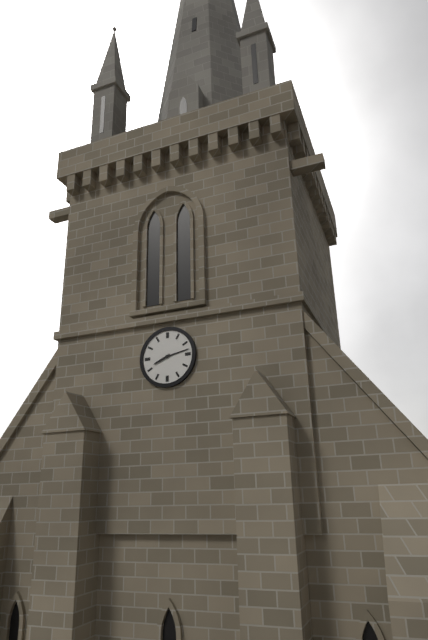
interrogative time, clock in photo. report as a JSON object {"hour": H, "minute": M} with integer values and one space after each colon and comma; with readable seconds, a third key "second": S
{"hour": 8, "minute": 13}
